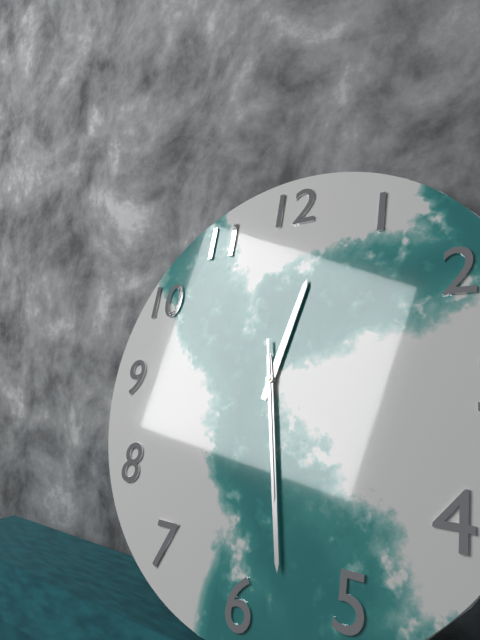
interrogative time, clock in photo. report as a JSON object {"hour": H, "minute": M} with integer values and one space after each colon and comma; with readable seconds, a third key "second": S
{"hour": 12, "minute": 28, "second": 28}
